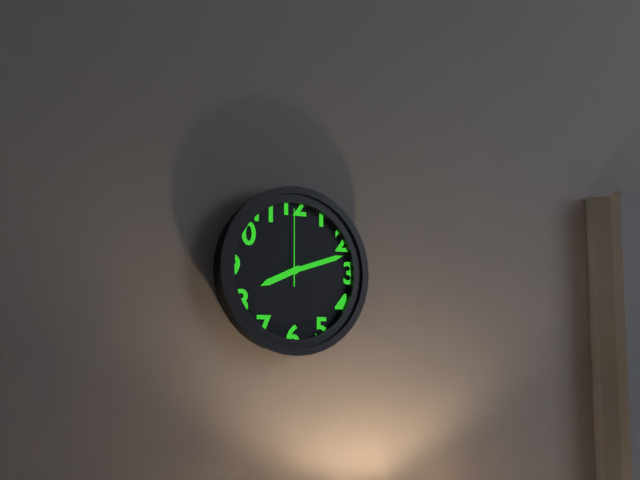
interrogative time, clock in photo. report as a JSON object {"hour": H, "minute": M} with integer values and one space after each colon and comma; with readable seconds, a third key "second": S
{"hour": 8, "minute": 12, "second": 0}
